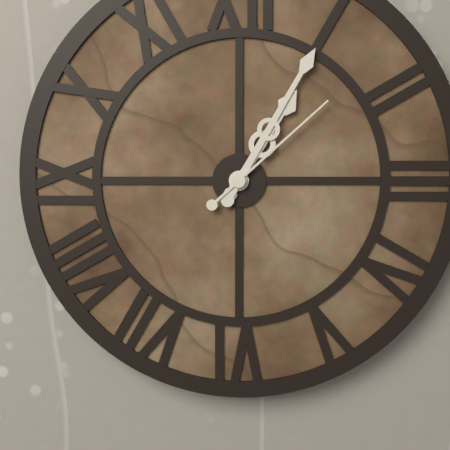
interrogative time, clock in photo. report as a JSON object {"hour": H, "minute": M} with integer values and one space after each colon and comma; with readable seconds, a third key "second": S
{"hour": 1, "minute": 5, "second": 8}
